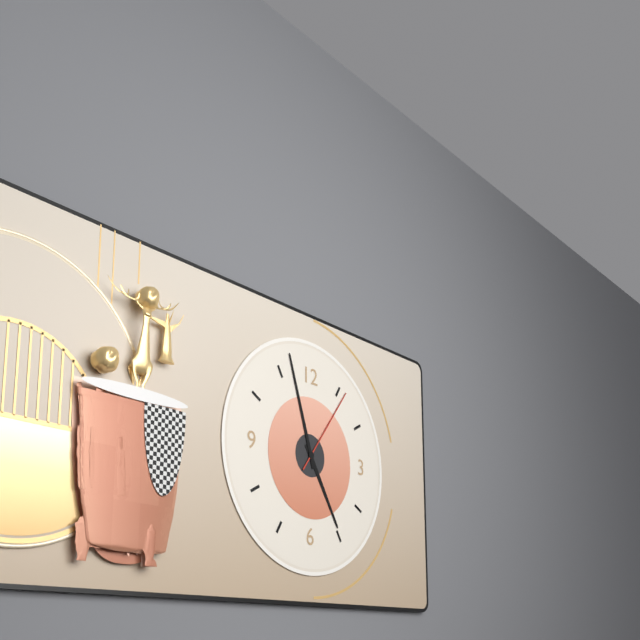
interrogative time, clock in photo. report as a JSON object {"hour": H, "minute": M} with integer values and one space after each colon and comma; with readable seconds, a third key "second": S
{"hour": 4, "minute": 57, "second": 6}
